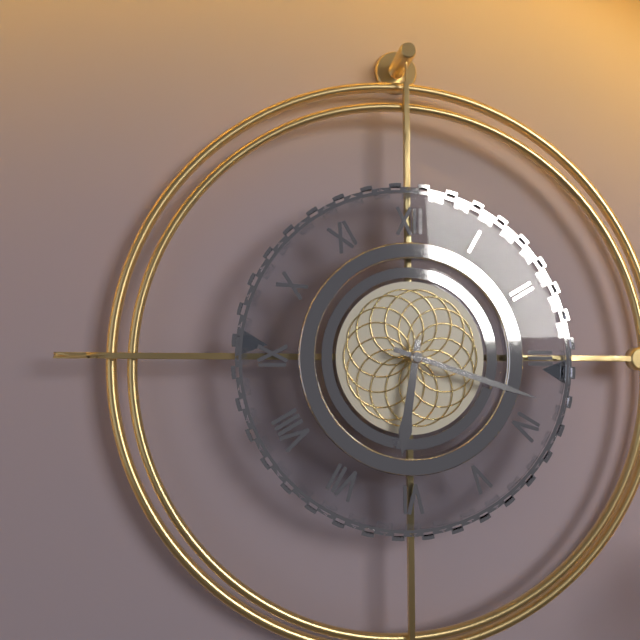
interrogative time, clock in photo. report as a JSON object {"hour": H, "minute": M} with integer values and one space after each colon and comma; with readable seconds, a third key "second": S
{"hour": 6, "minute": 18}
